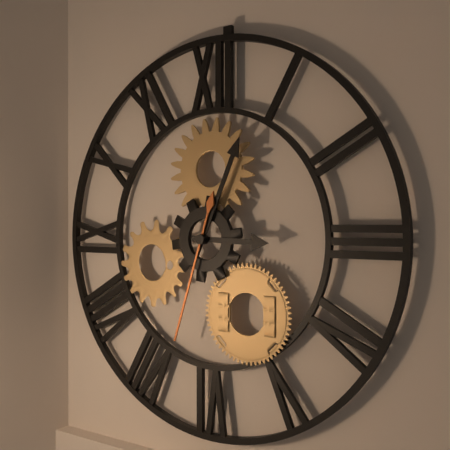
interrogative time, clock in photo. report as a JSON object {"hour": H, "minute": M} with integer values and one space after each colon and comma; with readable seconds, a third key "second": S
{"hour": 3, "minute": 4, "second": 33}
